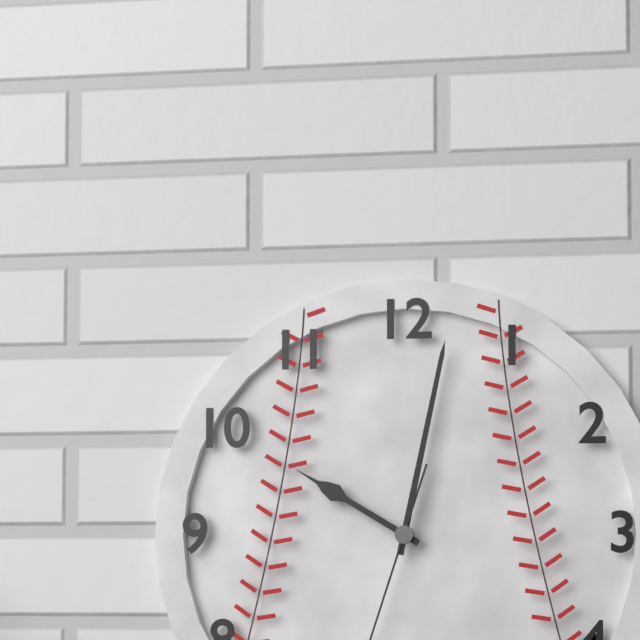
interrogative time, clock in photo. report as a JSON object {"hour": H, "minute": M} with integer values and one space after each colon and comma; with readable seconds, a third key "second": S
{"hour": 10, "minute": 2}
